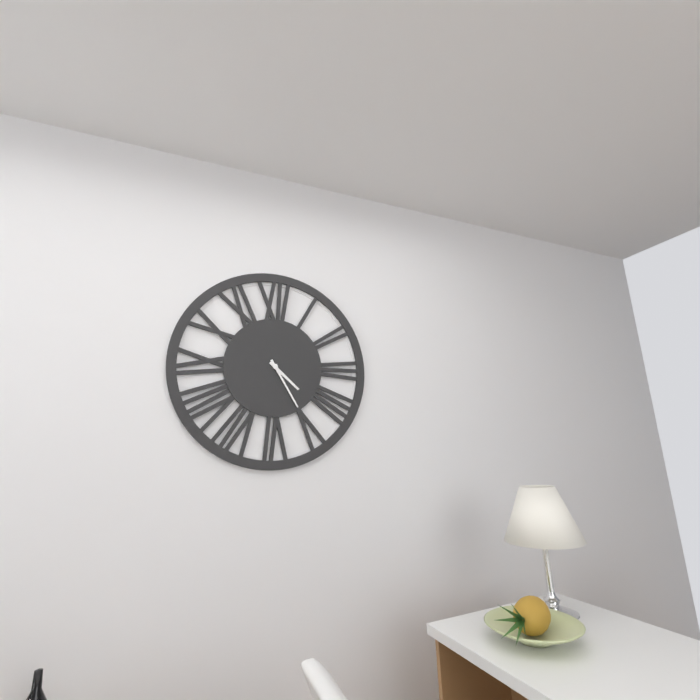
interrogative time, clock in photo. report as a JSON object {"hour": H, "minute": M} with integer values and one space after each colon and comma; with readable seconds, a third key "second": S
{"hour": 4, "minute": 25}
